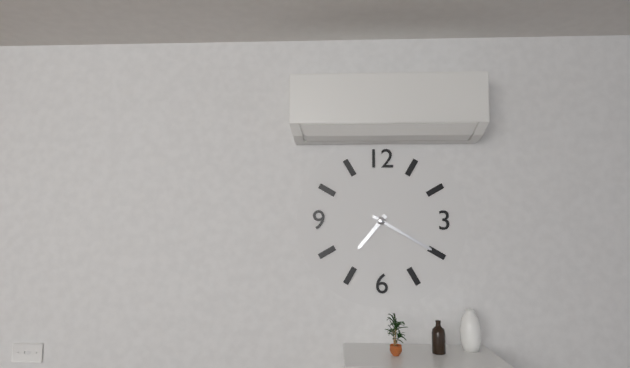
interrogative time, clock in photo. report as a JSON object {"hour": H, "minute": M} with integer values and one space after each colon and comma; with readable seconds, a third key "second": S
{"hour": 7, "minute": 20}
